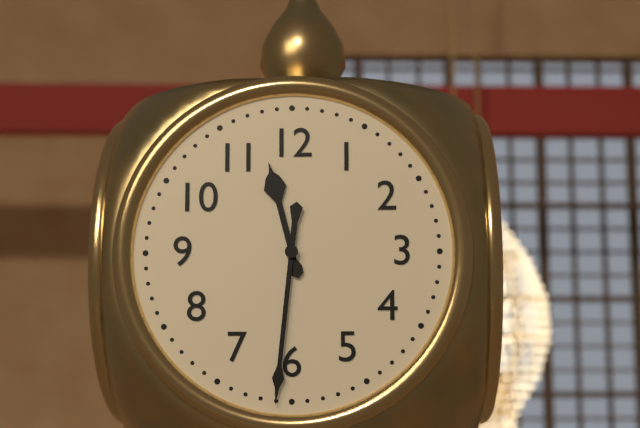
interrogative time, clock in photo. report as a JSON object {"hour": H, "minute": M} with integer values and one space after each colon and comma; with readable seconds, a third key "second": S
{"hour": 11, "minute": 31}
